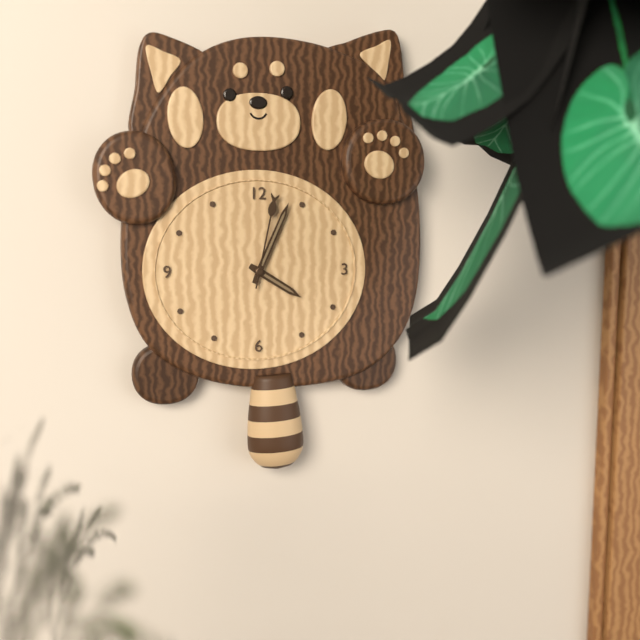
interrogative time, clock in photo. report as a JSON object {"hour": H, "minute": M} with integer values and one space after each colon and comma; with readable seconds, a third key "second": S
{"hour": 4, "minute": 4, "second": 2}
